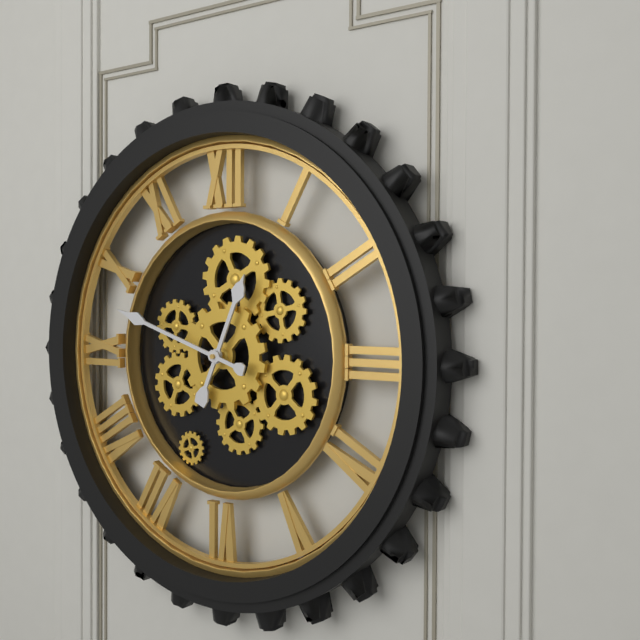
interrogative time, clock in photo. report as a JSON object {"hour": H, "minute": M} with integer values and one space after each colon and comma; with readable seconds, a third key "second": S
{"hour": 12, "minute": 48}
